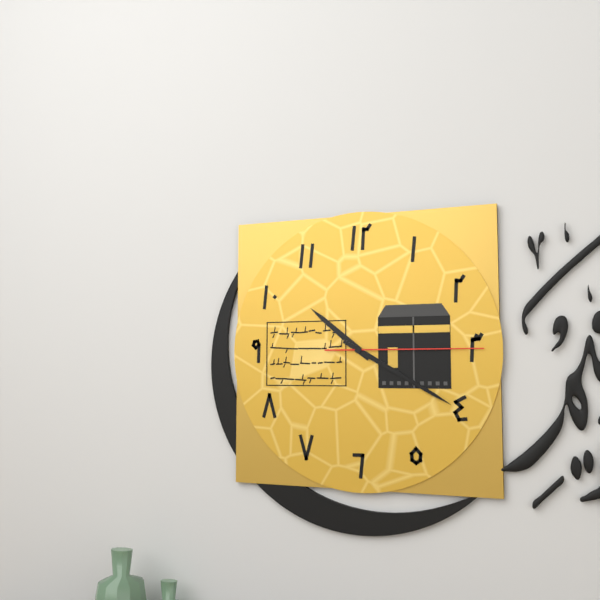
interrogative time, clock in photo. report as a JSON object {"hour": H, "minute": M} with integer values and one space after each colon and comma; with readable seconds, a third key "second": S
{"hour": 10, "minute": 20, "second": 15}
